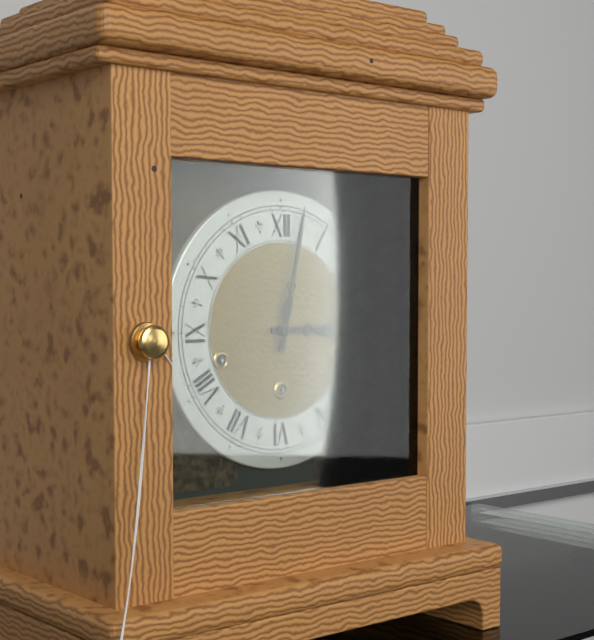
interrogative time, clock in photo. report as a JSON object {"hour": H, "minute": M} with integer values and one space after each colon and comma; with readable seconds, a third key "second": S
{"hour": 3, "minute": 2}
